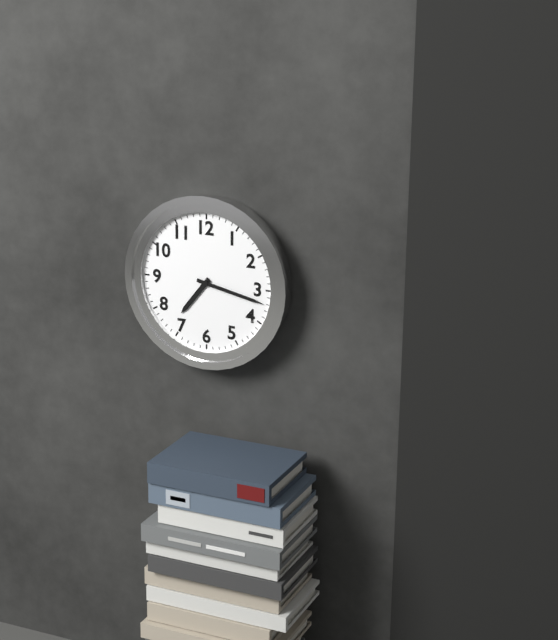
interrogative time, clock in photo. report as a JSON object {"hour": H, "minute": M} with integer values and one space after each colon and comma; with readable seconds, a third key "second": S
{"hour": 7, "minute": 17}
